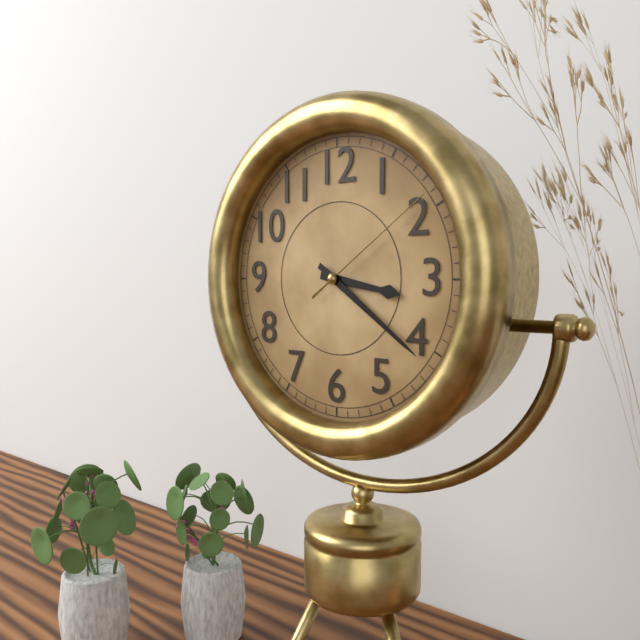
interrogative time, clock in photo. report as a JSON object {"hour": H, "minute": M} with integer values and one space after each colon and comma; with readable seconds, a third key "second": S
{"hour": 3, "minute": 21, "second": 9}
